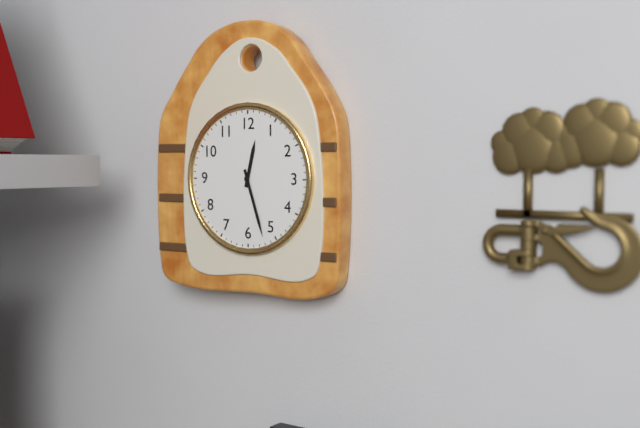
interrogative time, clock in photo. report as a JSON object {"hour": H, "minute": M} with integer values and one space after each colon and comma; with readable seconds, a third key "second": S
{"hour": 12, "minute": 27}
